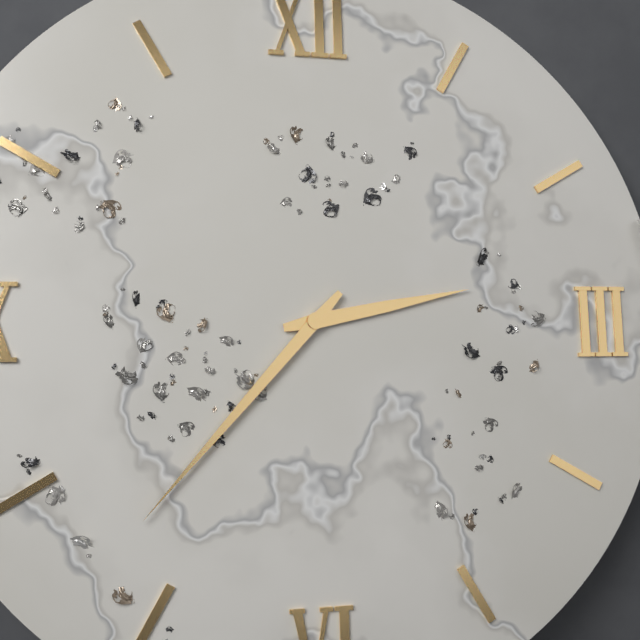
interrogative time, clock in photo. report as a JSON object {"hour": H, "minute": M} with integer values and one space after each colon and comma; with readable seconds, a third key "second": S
{"hour": 2, "minute": 37}
